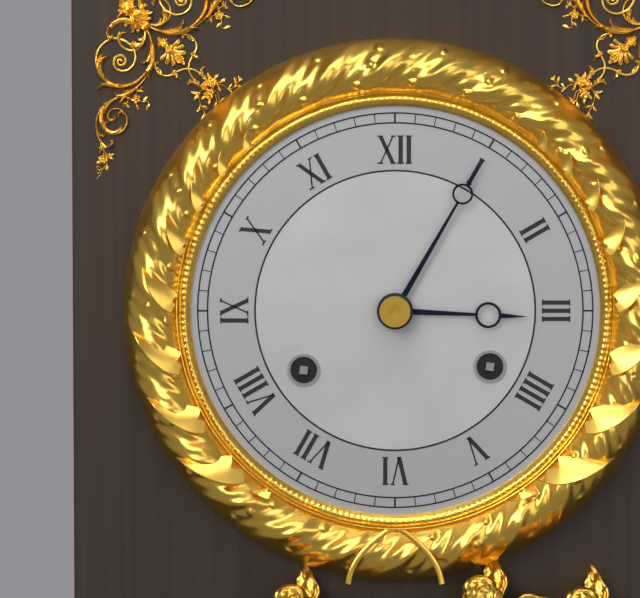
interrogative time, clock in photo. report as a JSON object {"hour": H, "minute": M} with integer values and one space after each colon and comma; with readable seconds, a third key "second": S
{"hour": 3, "minute": 5}
